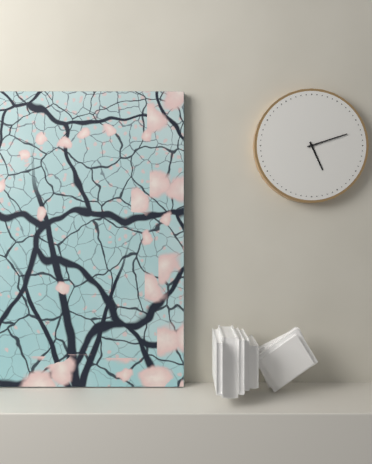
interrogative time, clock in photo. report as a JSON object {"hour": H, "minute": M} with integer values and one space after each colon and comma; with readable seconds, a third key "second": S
{"hour": 5, "minute": 12}
